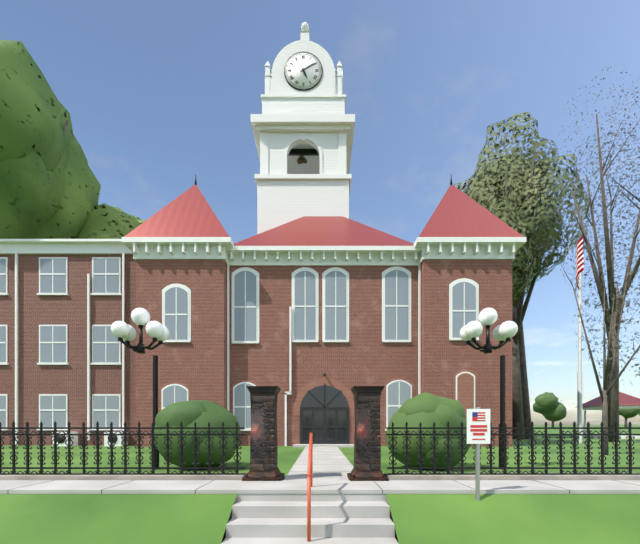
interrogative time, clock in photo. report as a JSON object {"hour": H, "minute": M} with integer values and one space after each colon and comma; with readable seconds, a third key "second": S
{"hour": 5, "minute": 10}
